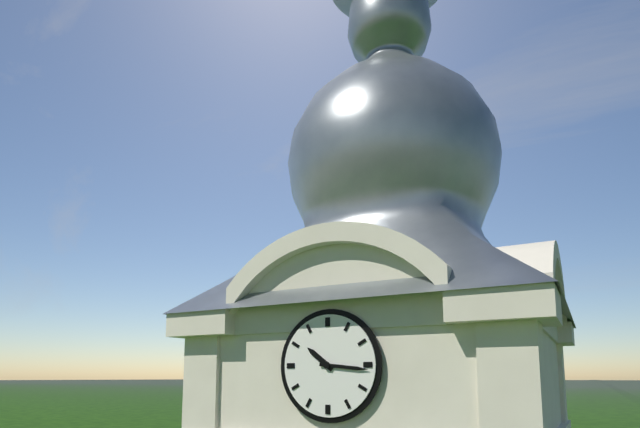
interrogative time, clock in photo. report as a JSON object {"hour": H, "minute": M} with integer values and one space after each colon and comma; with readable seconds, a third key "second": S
{"hour": 10, "minute": 16}
